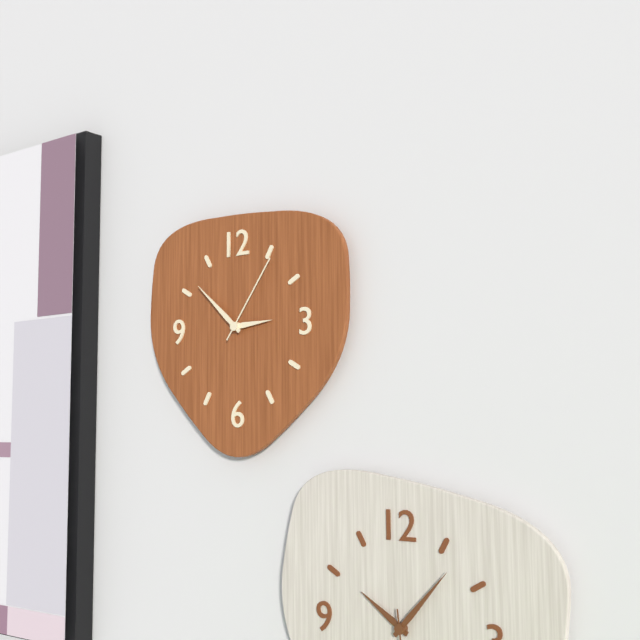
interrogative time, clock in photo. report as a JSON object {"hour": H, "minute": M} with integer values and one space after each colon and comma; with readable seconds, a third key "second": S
{"hour": 2, "minute": 52, "second": 6}
